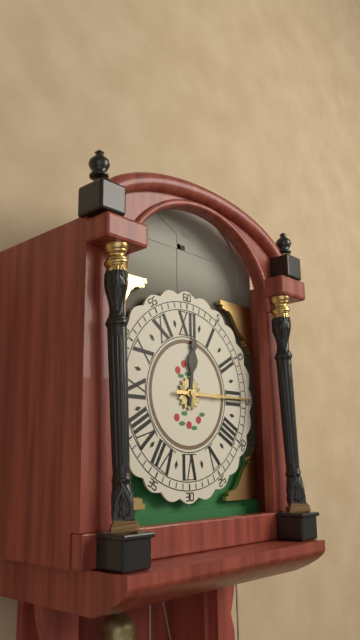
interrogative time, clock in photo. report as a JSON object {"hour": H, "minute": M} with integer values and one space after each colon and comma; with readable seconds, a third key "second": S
{"hour": 12, "minute": 15}
